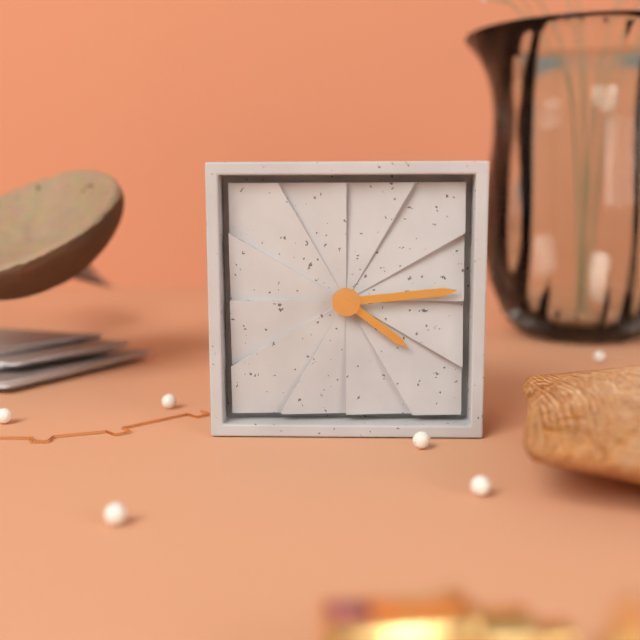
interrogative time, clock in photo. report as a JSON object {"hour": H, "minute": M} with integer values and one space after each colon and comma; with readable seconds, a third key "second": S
{"hour": 4, "minute": 14}
